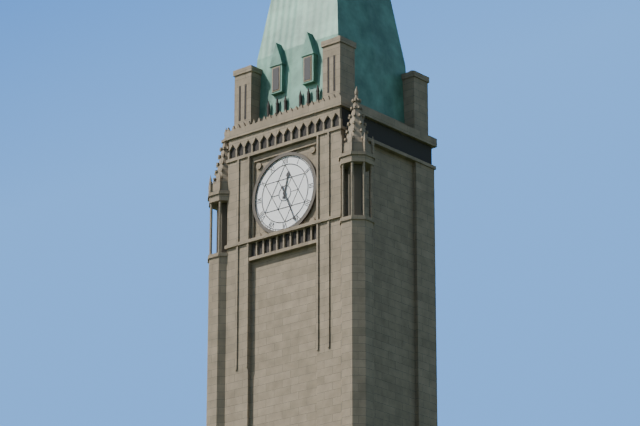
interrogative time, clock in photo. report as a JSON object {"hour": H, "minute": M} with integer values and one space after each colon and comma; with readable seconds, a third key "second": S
{"hour": 12, "minute": 26}
